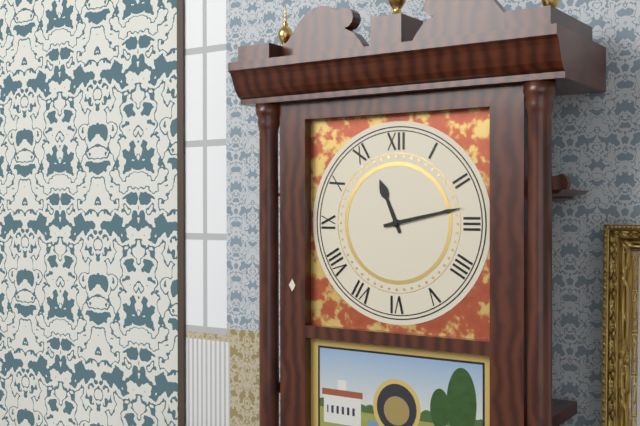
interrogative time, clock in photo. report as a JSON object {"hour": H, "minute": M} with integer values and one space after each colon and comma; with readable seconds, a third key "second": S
{"hour": 11, "minute": 13}
